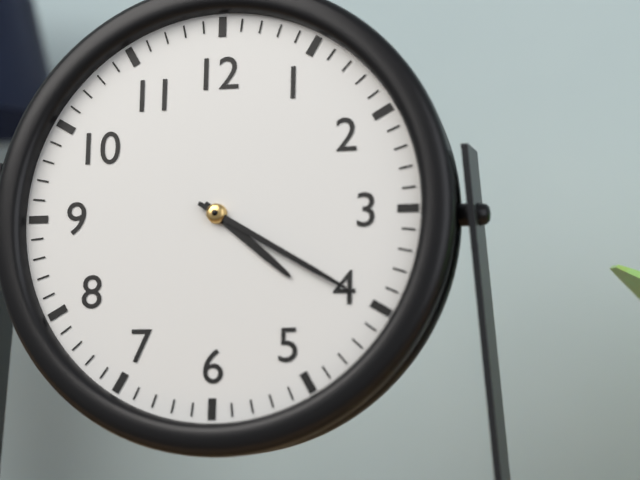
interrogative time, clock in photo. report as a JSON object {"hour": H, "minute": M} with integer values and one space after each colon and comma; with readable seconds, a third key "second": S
{"hour": 4, "minute": 20}
